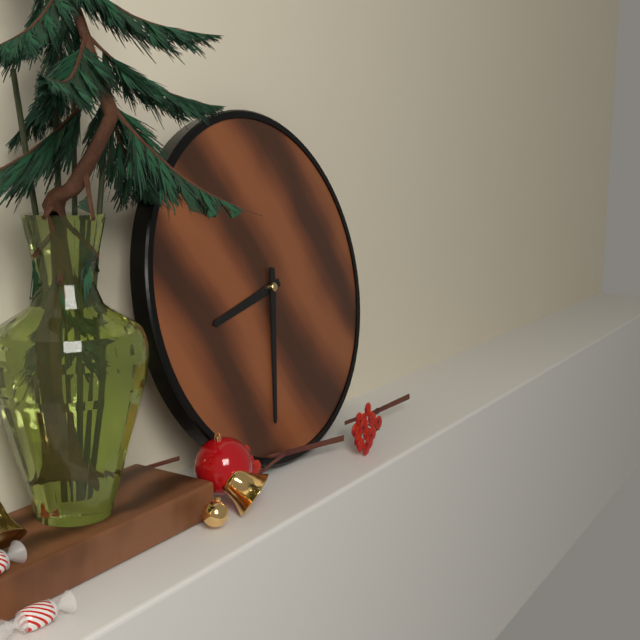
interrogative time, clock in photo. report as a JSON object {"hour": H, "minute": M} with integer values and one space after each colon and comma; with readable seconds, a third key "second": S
{"hour": 8, "minute": 32}
